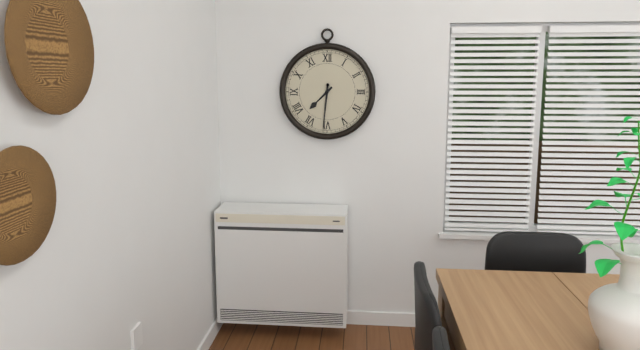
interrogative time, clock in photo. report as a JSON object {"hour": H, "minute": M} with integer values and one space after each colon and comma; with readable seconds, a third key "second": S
{"hour": 7, "minute": 31}
